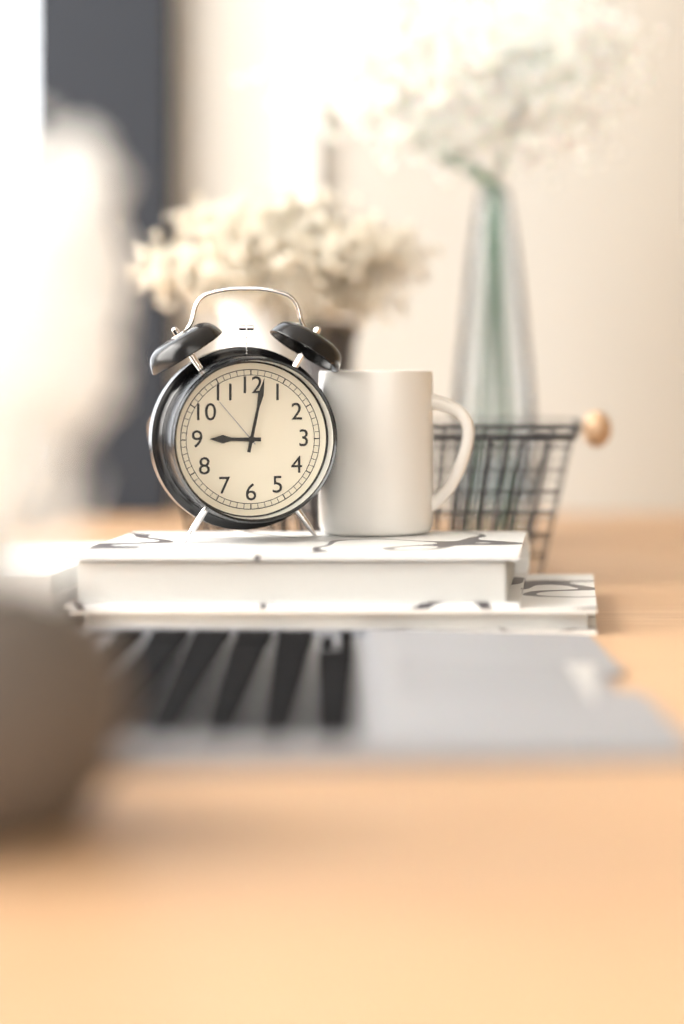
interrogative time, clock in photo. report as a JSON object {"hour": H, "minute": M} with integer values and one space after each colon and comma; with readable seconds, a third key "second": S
{"hour": 9, "minute": 2}
